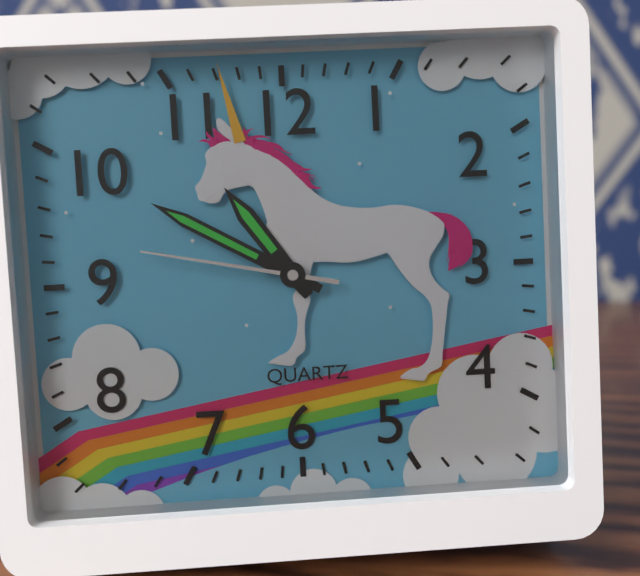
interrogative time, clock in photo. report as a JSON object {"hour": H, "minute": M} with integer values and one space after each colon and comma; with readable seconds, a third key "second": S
{"hour": 10, "minute": 50, "second": 47}
